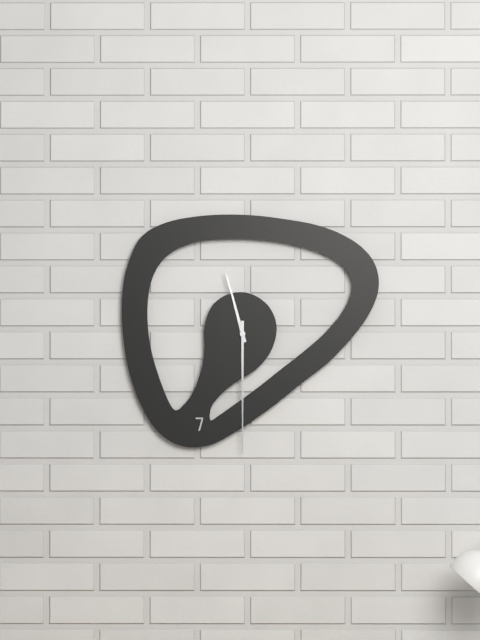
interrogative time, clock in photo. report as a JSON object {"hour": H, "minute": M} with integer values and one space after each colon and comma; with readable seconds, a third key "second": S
{"hour": 11, "minute": 30}
